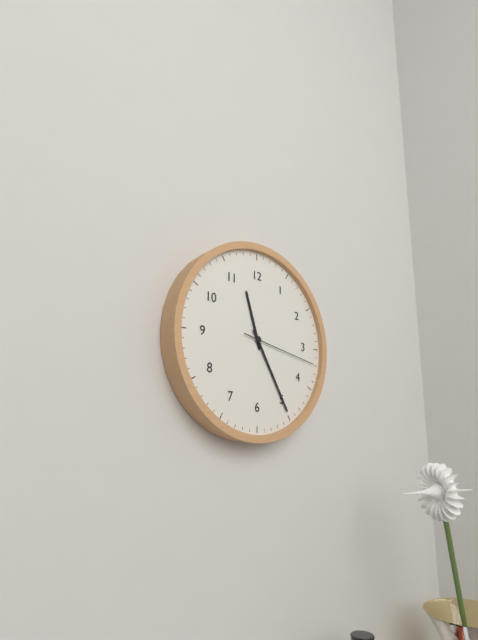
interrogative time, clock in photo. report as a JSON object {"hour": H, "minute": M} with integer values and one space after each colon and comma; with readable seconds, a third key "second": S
{"hour": 11, "minute": 25, "second": 17}
